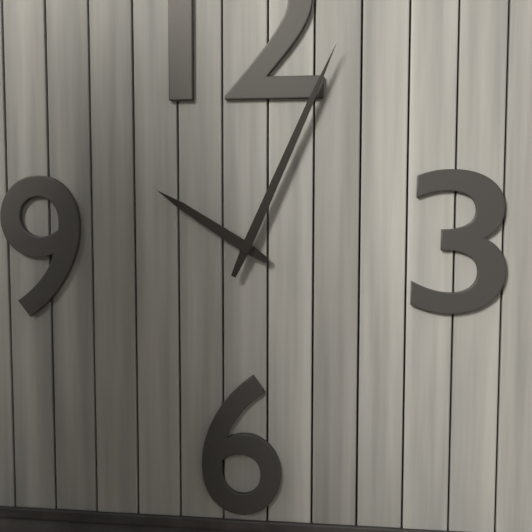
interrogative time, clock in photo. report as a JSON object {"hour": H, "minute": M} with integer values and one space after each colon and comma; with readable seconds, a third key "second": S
{"hour": 10, "minute": 4}
